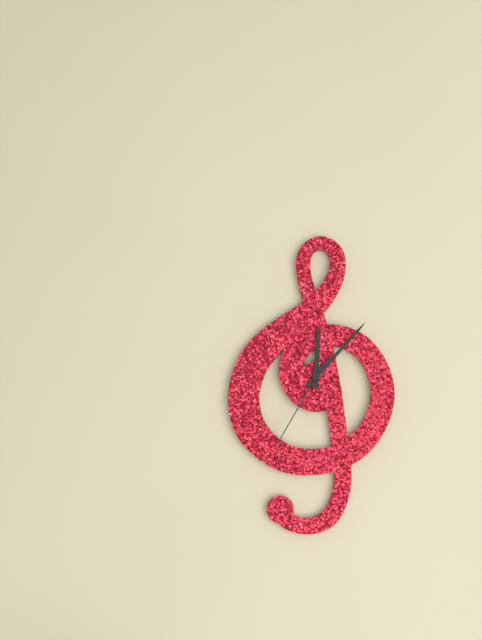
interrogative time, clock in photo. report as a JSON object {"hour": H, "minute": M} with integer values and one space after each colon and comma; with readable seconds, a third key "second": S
{"hour": 12, "minute": 7, "second": 35}
